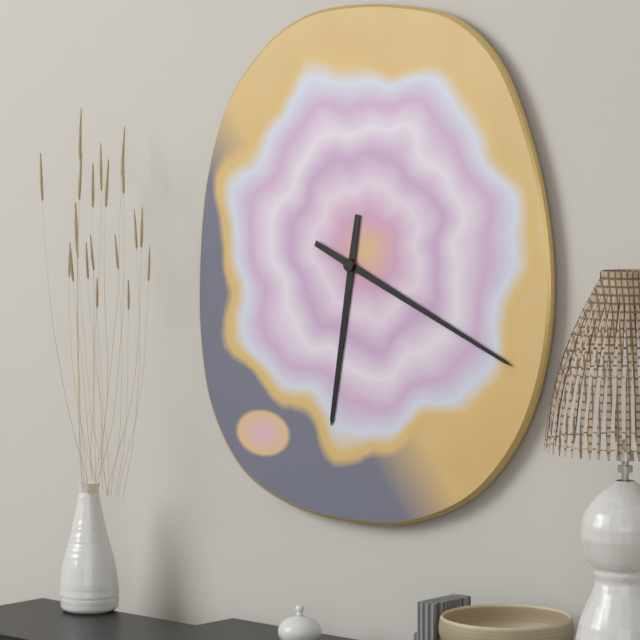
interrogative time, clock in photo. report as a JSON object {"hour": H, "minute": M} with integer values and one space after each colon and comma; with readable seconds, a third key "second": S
{"hour": 6, "minute": 19}
